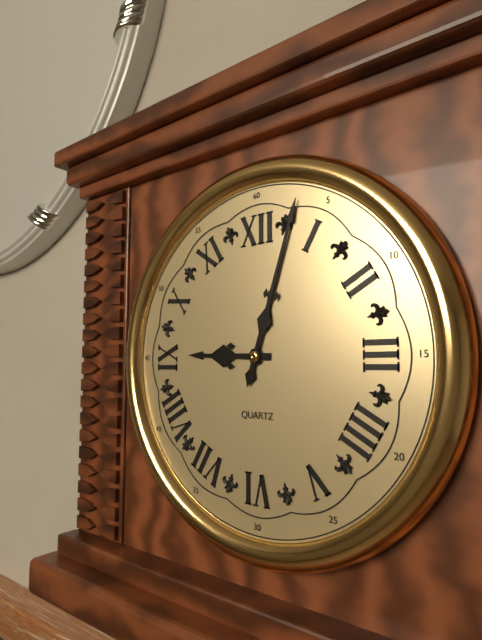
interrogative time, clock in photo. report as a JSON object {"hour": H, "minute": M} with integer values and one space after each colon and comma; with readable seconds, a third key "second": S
{"hour": 9, "minute": 3}
